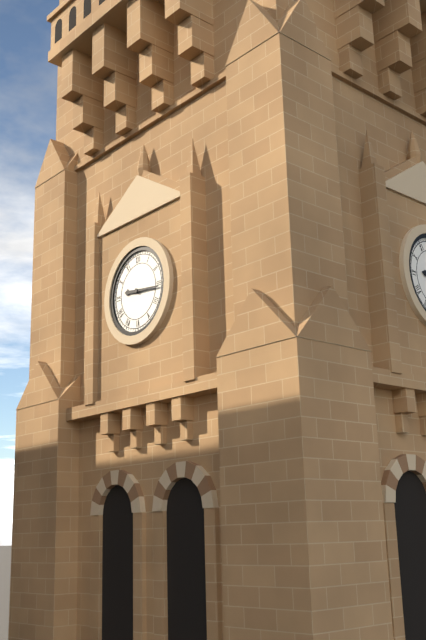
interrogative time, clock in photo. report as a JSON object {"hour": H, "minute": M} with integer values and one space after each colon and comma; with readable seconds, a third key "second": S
{"hour": 9, "minute": 16}
